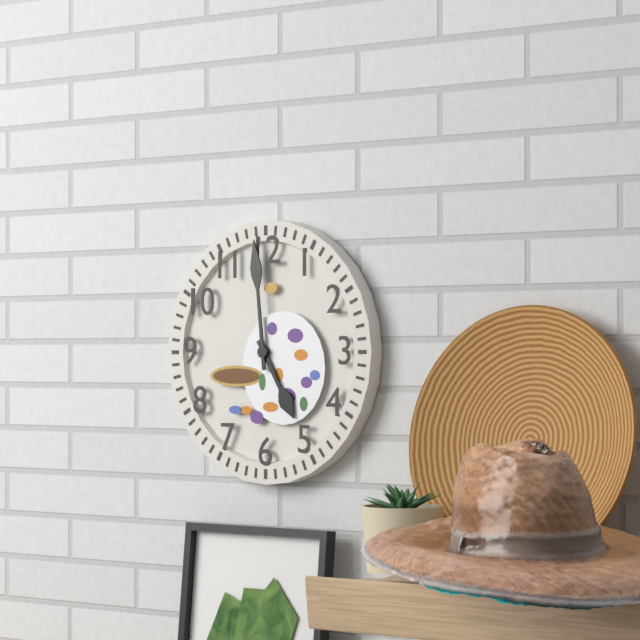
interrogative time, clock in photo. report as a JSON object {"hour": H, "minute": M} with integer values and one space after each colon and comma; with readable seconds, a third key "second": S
{"hour": 4, "minute": 59}
